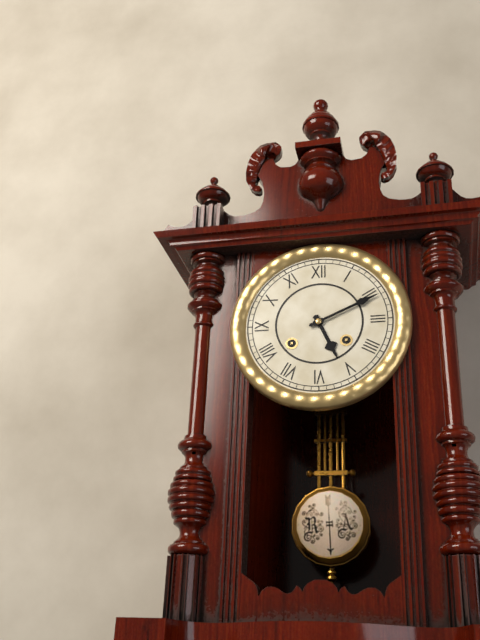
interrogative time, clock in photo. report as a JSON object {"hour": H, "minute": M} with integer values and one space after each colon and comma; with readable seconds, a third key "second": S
{"hour": 5, "minute": 11}
